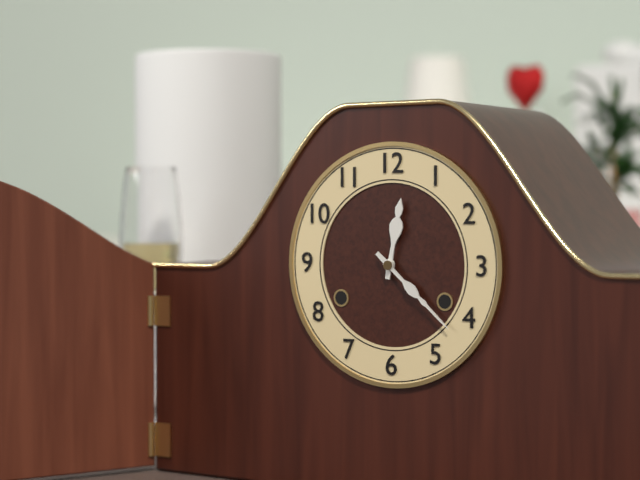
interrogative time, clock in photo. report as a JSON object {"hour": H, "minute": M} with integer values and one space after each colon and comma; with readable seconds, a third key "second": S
{"hour": 12, "minute": 22}
